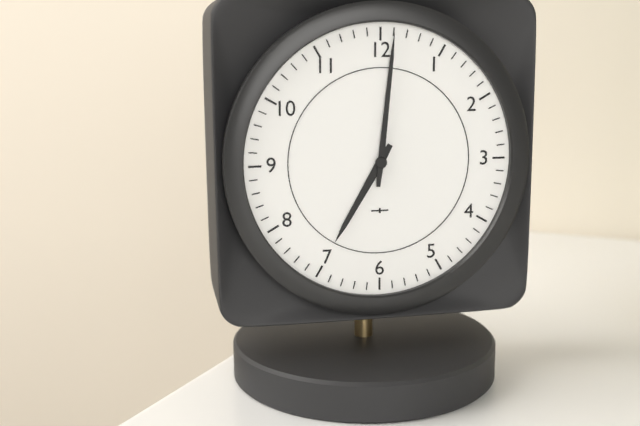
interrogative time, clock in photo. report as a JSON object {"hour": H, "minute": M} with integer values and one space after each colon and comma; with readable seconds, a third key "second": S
{"hour": 7, "minute": 1}
